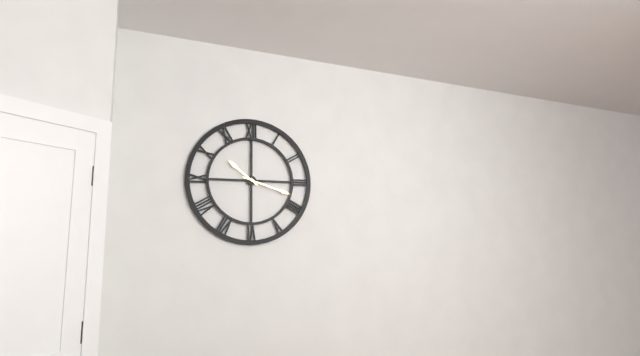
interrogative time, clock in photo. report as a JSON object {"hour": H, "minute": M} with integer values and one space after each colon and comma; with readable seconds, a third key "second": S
{"hour": 10, "minute": 18}
